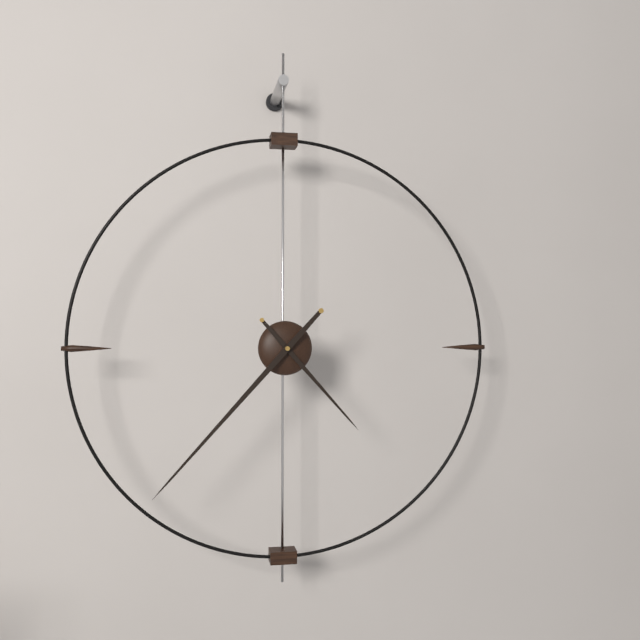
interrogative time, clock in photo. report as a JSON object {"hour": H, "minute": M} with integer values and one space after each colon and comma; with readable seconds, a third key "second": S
{"hour": 4, "minute": 37}
